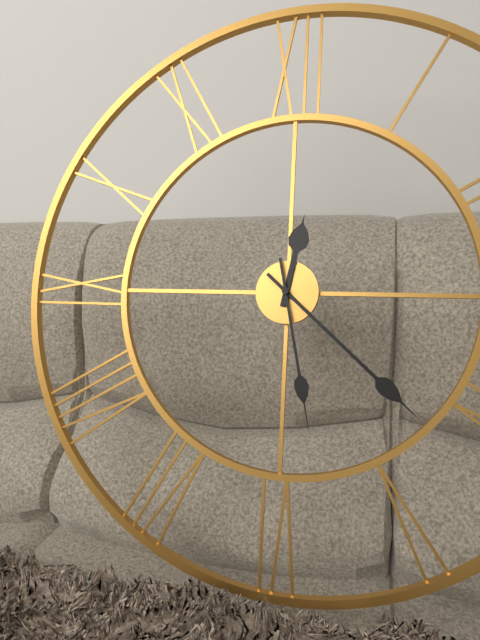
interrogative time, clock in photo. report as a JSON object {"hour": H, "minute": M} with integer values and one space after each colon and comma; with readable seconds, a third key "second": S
{"hour": 12, "minute": 22, "second": 28}
